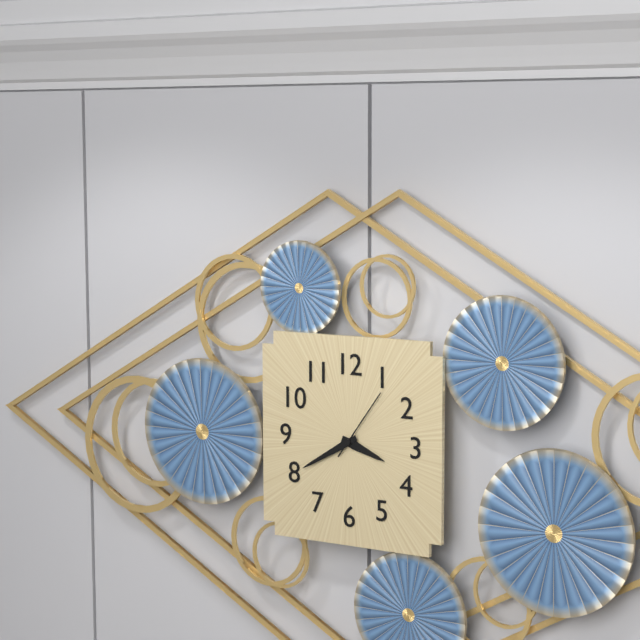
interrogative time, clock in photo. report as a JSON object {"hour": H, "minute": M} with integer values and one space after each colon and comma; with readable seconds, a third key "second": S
{"hour": 3, "minute": 40, "second": 6}
